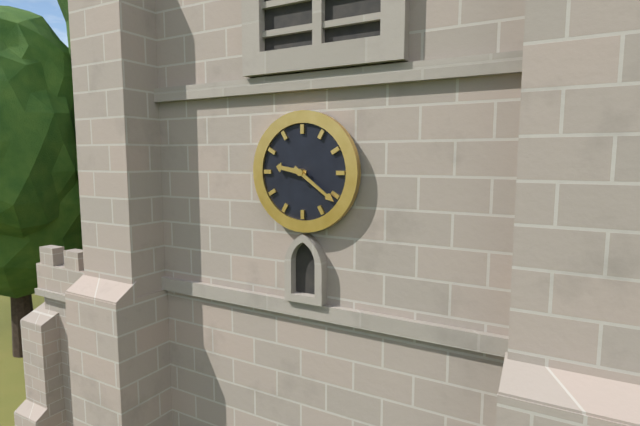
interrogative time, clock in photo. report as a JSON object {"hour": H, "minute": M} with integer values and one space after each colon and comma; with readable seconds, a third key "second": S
{"hour": 9, "minute": 21}
